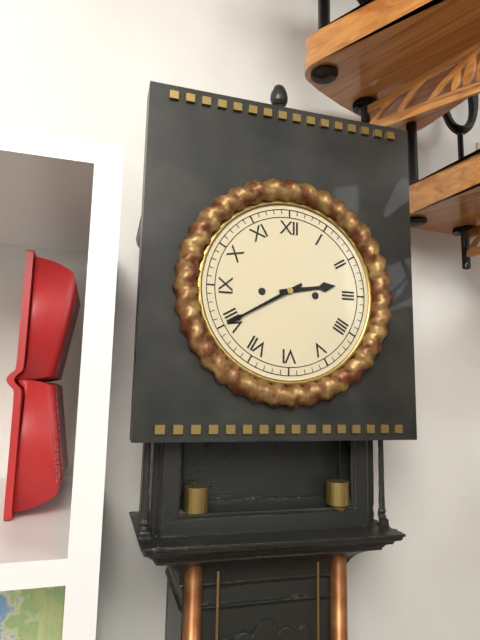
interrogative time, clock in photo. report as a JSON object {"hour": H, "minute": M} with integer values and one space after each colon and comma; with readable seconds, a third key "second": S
{"hour": 2, "minute": 40}
